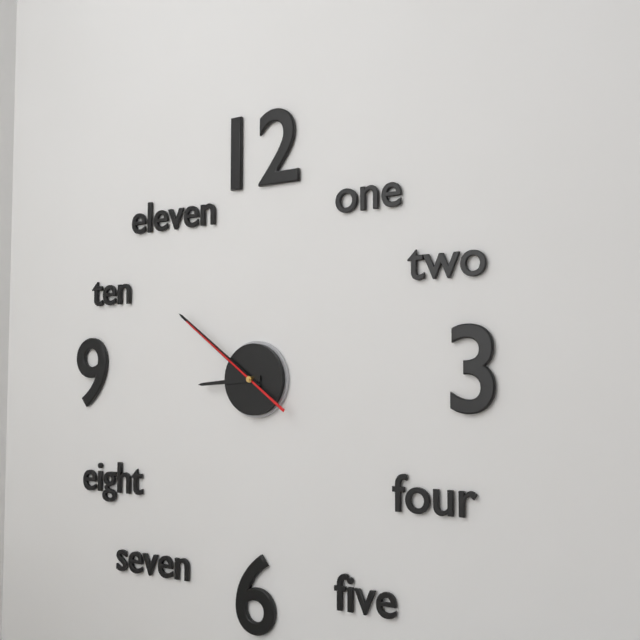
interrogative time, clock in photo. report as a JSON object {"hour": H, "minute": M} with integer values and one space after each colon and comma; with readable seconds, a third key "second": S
{"hour": 8, "minute": 51, "second": 51}
